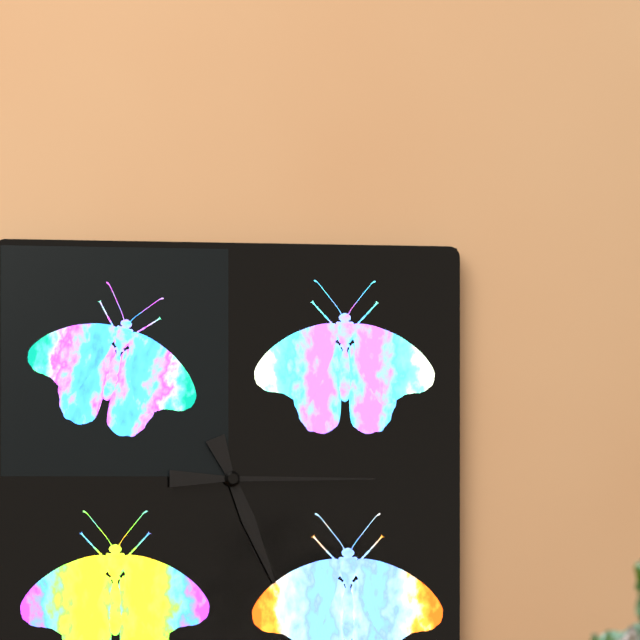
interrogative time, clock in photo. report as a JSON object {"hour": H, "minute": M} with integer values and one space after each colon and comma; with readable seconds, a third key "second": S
{"hour": 5, "minute": 15}
